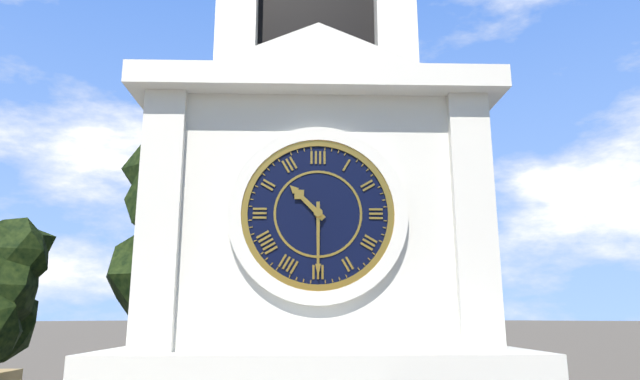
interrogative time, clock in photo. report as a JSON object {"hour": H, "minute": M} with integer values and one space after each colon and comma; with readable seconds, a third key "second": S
{"hour": 10, "minute": 30}
